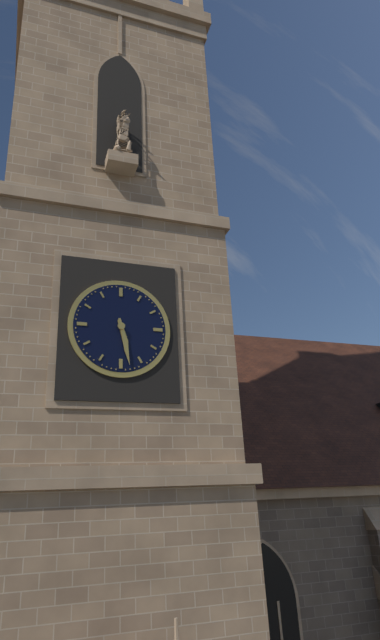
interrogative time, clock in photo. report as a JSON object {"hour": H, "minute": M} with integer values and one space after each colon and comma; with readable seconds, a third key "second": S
{"hour": 5, "minute": 28}
